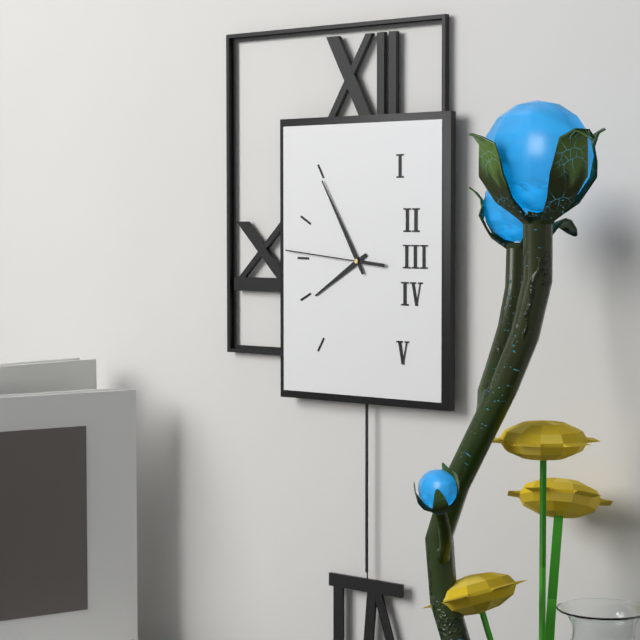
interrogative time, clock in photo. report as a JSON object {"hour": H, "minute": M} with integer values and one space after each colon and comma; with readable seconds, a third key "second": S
{"hour": 7, "minute": 55, "second": 46}
